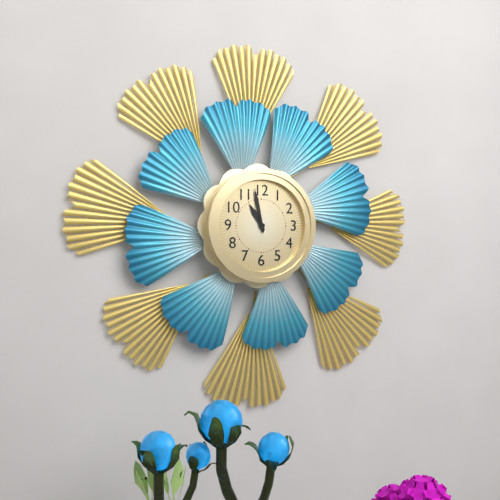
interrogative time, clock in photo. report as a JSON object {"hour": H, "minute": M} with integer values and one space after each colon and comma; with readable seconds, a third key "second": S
{"hour": 10, "minute": 58}
